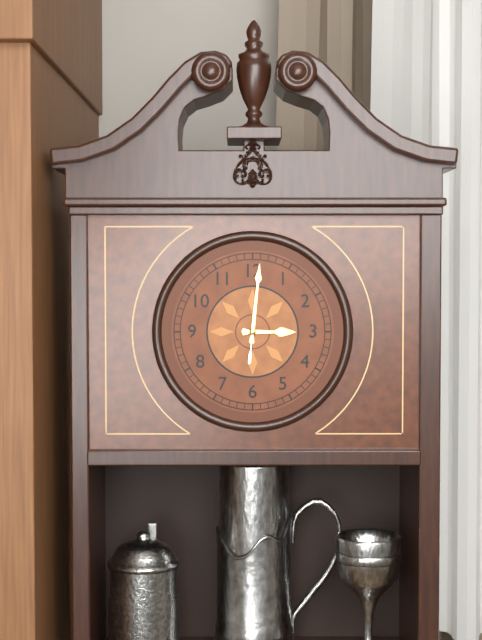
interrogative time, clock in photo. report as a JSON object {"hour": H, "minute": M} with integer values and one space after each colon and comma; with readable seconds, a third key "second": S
{"hour": 3, "minute": 1, "second": 1}
